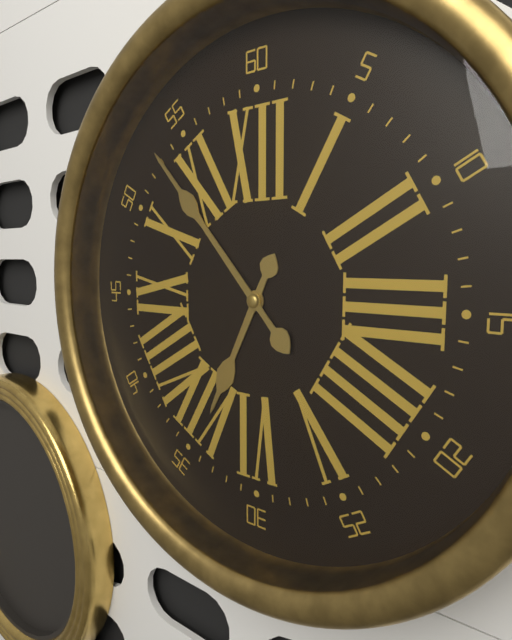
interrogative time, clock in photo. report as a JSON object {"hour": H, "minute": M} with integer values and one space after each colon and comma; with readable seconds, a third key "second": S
{"hour": 6, "minute": 53}
